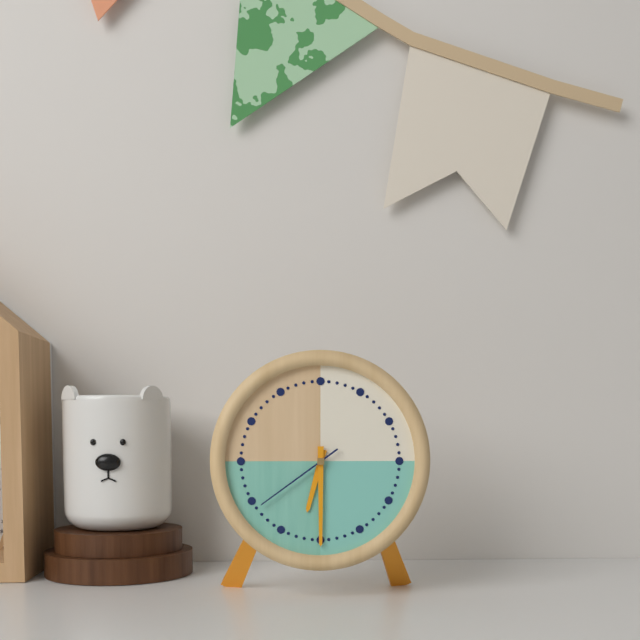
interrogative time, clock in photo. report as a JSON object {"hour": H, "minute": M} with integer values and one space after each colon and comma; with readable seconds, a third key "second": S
{"hour": 6, "minute": 30, "second": 39}
